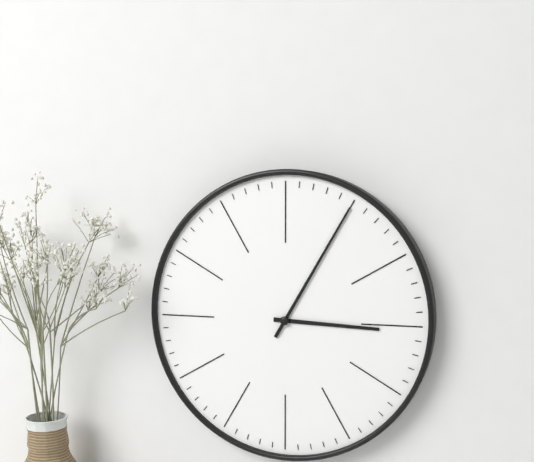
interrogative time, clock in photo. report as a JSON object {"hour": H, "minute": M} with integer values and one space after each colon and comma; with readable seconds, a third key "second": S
{"hour": 3, "minute": 5}
